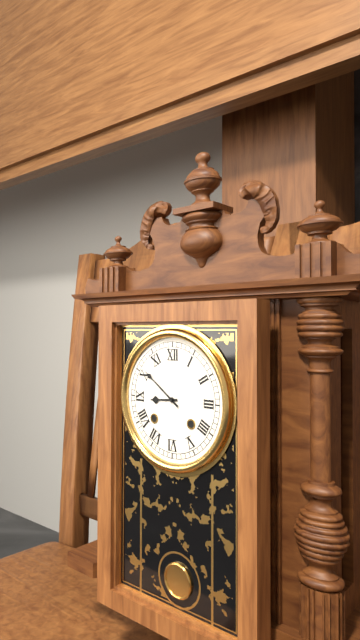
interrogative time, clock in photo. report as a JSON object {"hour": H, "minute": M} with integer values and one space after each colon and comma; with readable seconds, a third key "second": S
{"hour": 8, "minute": 51}
